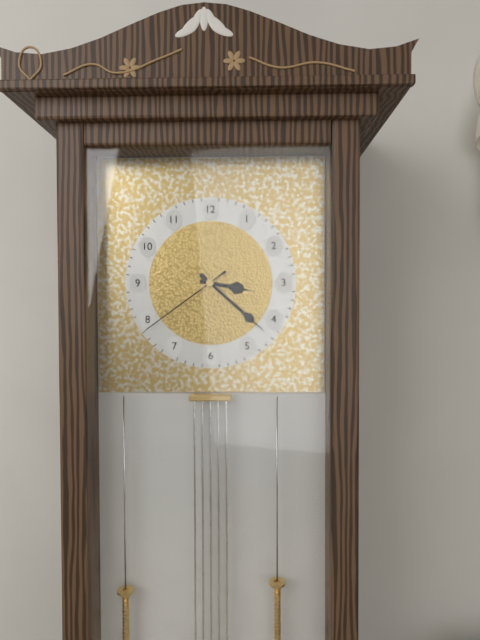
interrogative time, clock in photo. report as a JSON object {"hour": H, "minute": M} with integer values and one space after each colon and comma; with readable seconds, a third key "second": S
{"hour": 3, "minute": 22, "second": 39}
